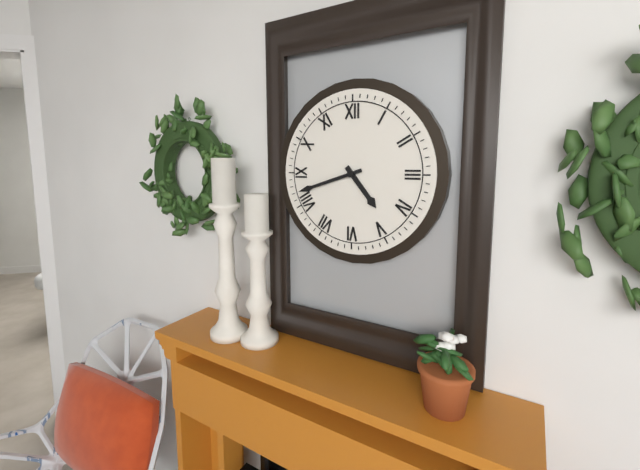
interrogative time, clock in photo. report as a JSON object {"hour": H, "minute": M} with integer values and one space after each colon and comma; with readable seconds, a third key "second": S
{"hour": 4, "minute": 42}
